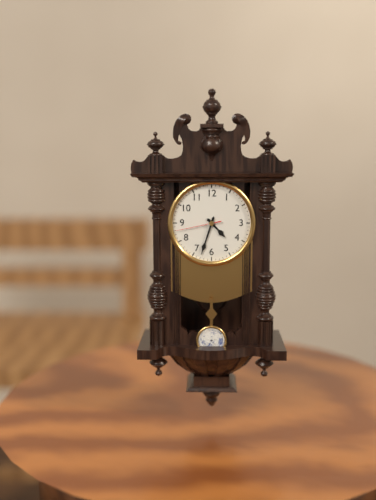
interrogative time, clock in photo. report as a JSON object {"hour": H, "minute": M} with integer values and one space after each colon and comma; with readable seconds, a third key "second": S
{"hour": 4, "minute": 33}
